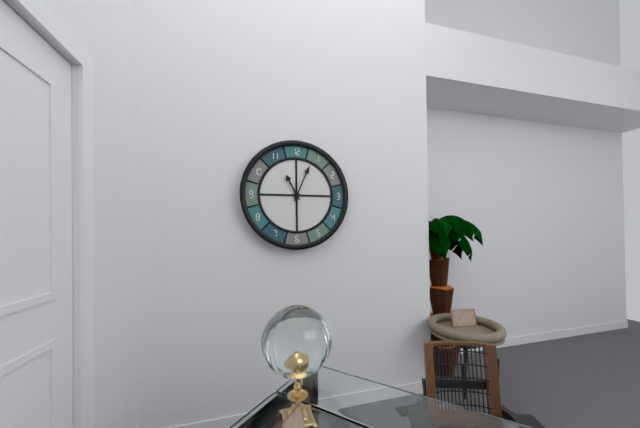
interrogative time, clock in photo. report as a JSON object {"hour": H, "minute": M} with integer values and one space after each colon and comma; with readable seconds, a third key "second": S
{"hour": 11, "minute": 4}
